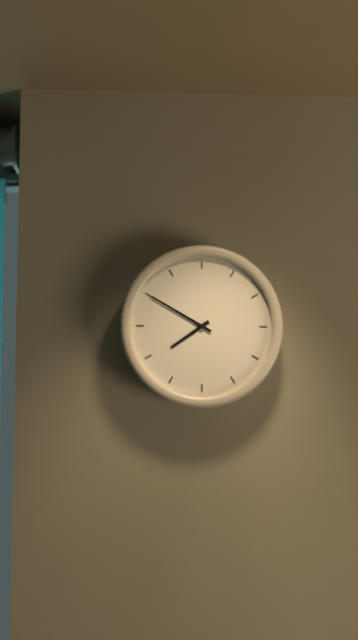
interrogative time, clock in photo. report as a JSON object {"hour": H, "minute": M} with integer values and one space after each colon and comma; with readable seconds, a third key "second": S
{"hour": 7, "minute": 50}
